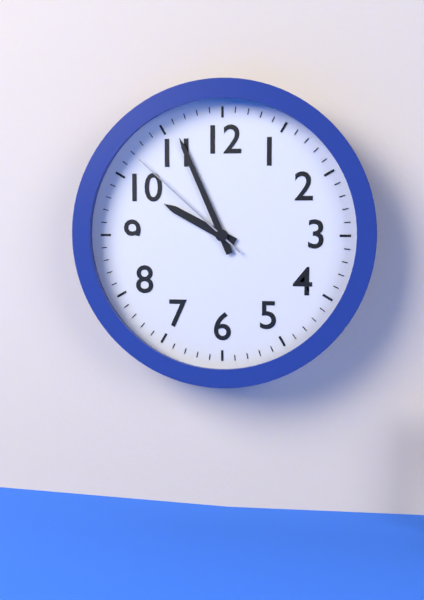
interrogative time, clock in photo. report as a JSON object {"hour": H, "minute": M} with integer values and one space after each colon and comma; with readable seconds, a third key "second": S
{"hour": 9, "minute": 56, "second": 52}
